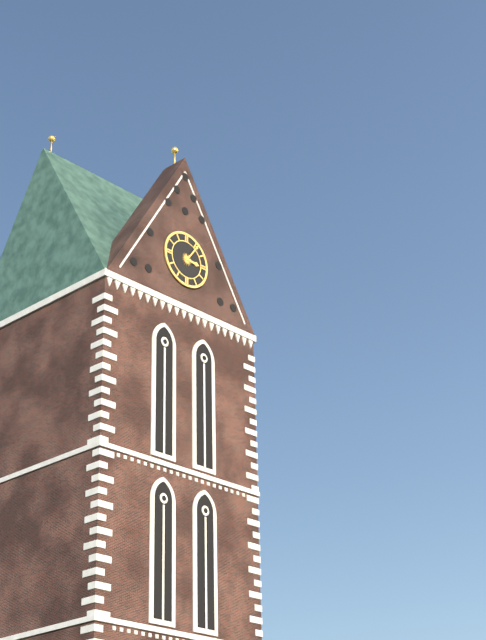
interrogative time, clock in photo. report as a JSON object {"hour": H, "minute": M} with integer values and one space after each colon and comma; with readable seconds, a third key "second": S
{"hour": 3, "minute": 6}
